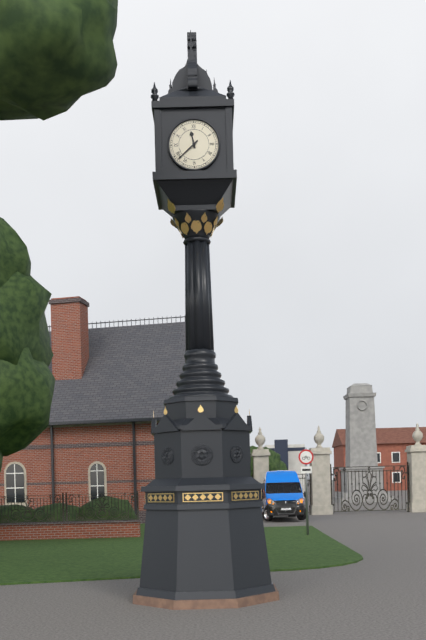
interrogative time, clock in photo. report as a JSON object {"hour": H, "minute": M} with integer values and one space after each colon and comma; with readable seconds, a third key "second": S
{"hour": 11, "minute": 38}
